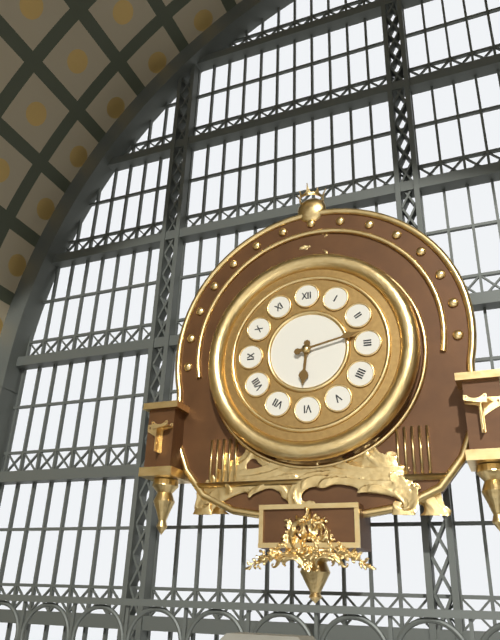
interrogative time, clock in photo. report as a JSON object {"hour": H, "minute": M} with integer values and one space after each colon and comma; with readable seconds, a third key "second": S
{"hour": 6, "minute": 13}
